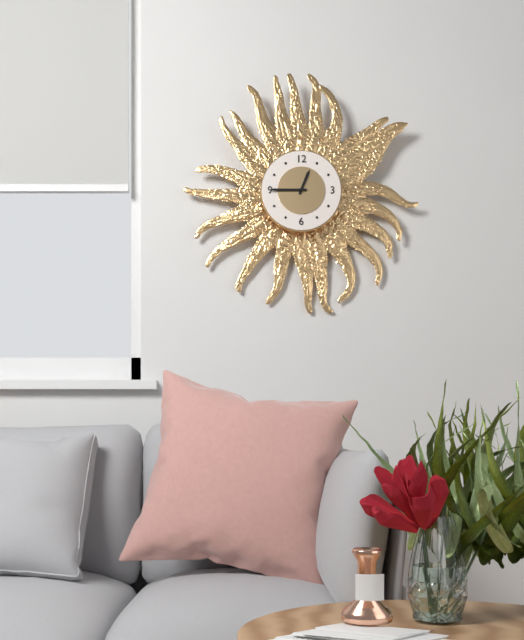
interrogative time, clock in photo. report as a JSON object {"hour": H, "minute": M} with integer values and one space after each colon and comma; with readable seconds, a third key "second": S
{"hour": 12, "minute": 45}
